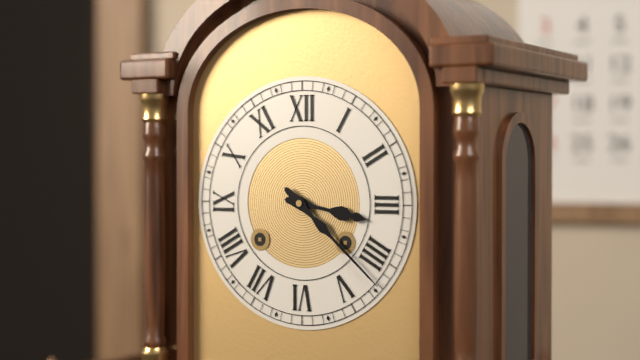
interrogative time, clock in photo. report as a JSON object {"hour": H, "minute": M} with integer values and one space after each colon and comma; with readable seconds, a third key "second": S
{"hour": 3, "minute": 22}
